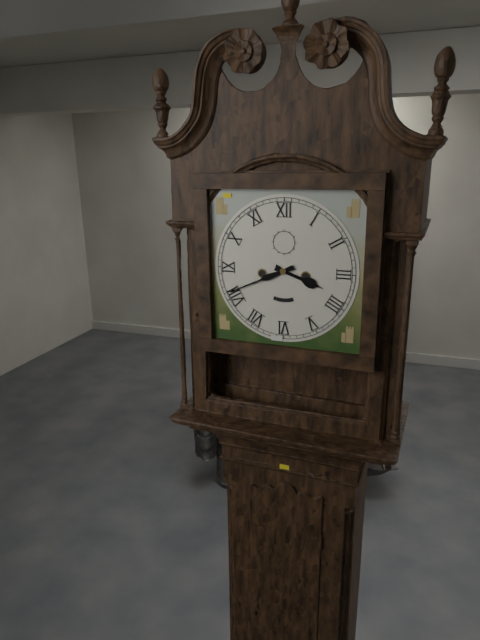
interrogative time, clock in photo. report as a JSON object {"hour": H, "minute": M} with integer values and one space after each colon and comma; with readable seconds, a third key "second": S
{"hour": 3, "minute": 41}
